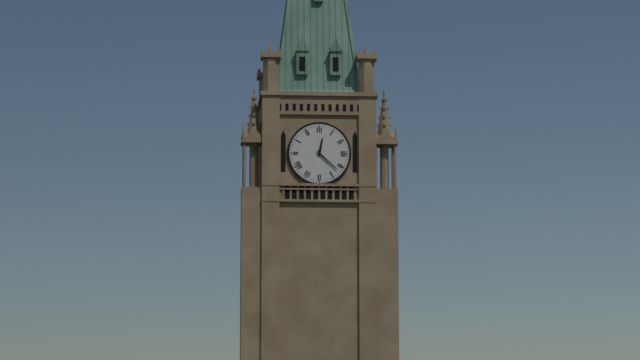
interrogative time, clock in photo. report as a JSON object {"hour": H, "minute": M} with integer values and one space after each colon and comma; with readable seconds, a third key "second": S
{"hour": 12, "minute": 22}
